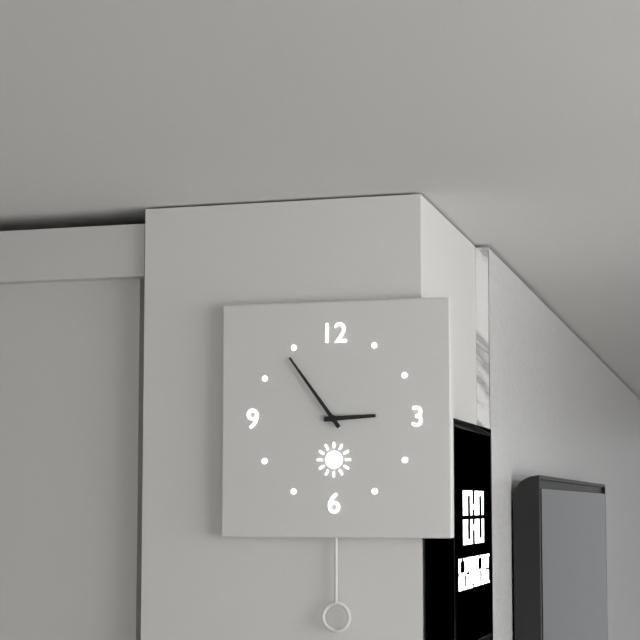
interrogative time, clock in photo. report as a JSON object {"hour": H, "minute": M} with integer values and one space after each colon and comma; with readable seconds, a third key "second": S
{"hour": 2, "minute": 54}
